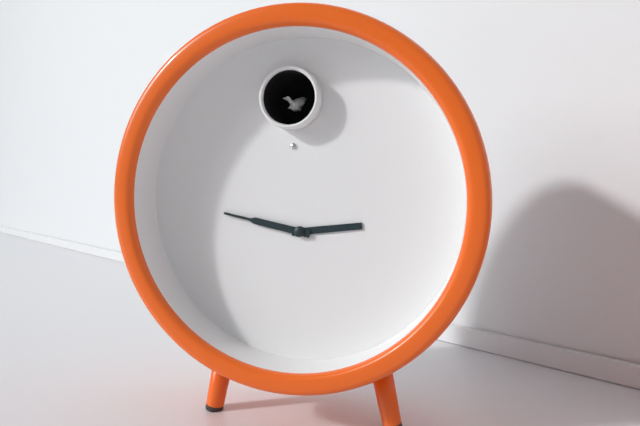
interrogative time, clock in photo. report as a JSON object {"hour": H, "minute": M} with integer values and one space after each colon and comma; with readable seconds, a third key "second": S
{"hour": 2, "minute": 47}
